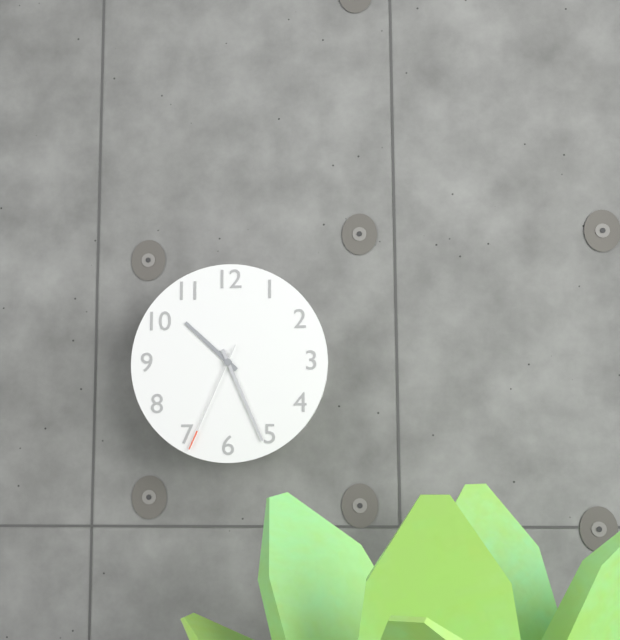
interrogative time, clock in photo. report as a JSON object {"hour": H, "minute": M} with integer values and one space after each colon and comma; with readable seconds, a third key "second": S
{"hour": 10, "minute": 26, "second": 34}
